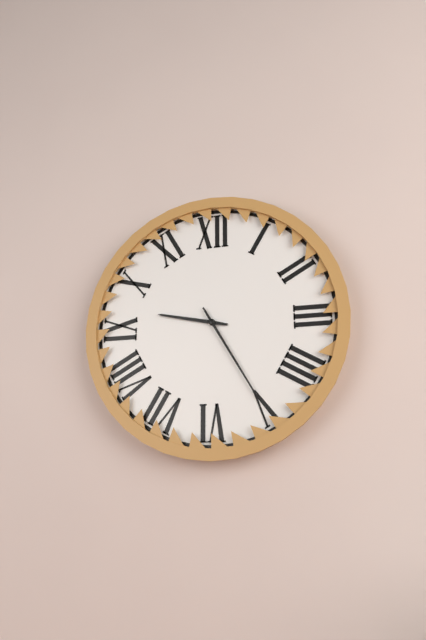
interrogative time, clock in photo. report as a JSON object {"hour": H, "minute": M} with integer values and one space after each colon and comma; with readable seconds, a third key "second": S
{"hour": 9, "minute": 25}
